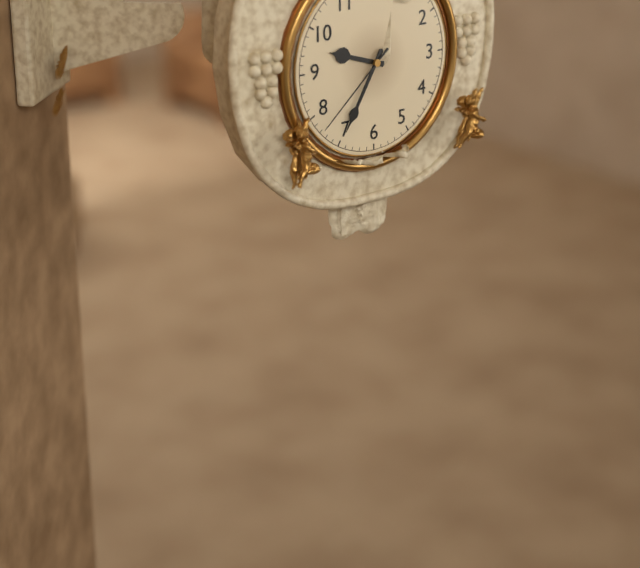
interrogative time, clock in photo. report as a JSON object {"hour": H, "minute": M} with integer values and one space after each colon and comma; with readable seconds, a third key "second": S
{"hour": 9, "minute": 35, "second": 38}
